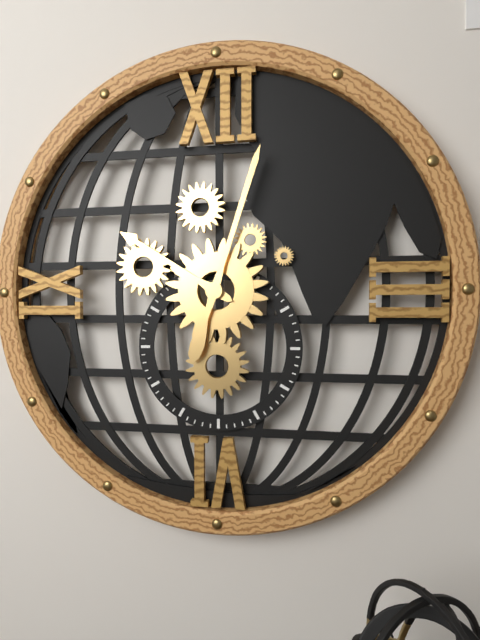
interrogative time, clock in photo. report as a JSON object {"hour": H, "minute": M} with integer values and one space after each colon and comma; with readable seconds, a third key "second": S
{"hour": 10, "minute": 3}
